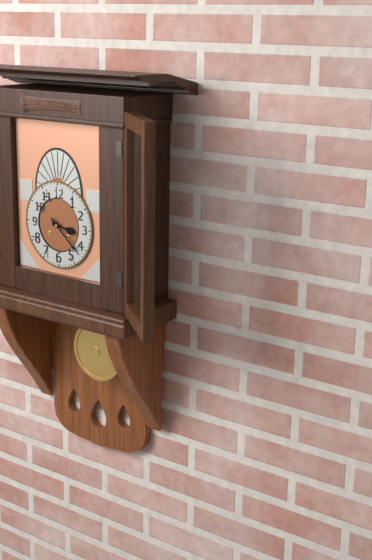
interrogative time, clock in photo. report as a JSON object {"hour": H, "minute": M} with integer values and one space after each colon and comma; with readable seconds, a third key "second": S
{"hour": 3, "minute": 22}
